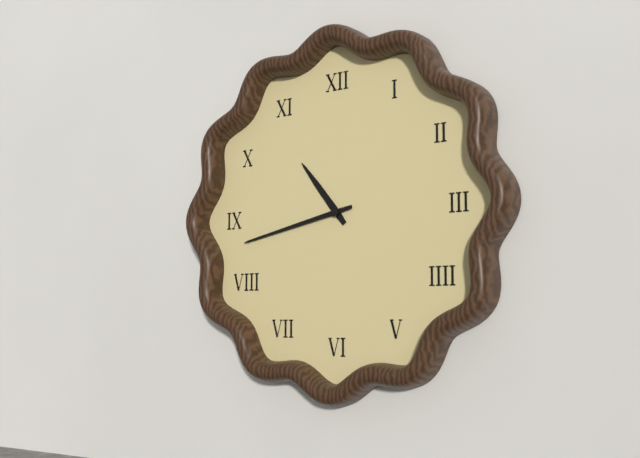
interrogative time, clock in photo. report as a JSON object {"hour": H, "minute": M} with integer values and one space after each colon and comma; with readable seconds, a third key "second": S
{"hour": 10, "minute": 43}
